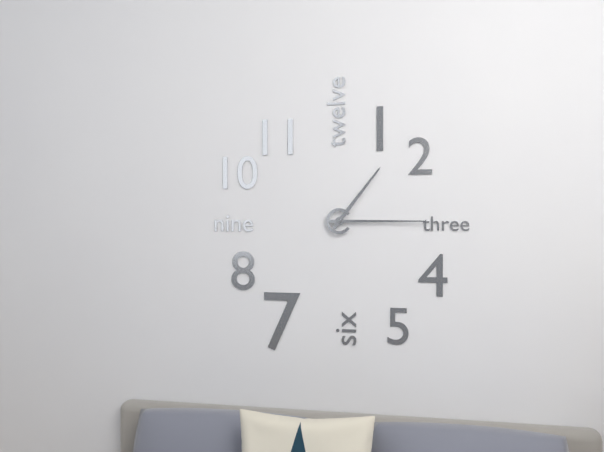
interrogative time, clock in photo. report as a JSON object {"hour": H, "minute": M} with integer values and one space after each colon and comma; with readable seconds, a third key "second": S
{"hour": 1, "minute": 15}
